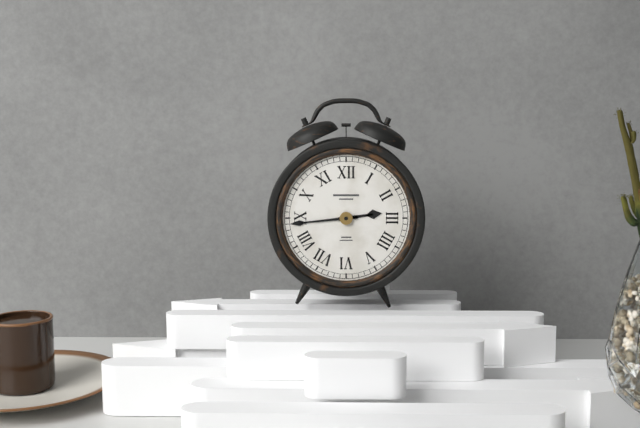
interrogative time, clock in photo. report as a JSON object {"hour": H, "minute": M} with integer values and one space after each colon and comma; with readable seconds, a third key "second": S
{"hour": 2, "minute": 44}
